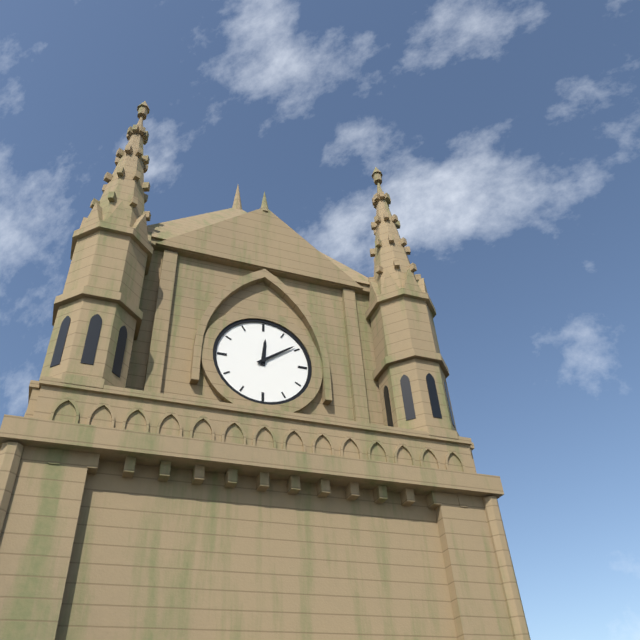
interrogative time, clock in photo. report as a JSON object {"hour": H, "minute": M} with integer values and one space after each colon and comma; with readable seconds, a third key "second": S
{"hour": 12, "minute": 9}
